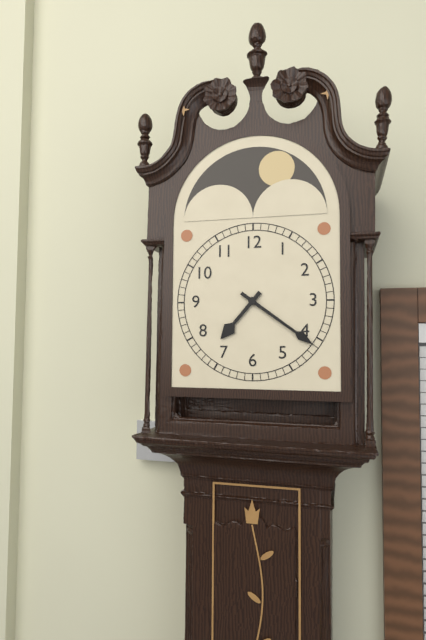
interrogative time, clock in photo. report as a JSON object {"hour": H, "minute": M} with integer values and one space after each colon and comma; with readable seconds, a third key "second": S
{"hour": 7, "minute": 21}
